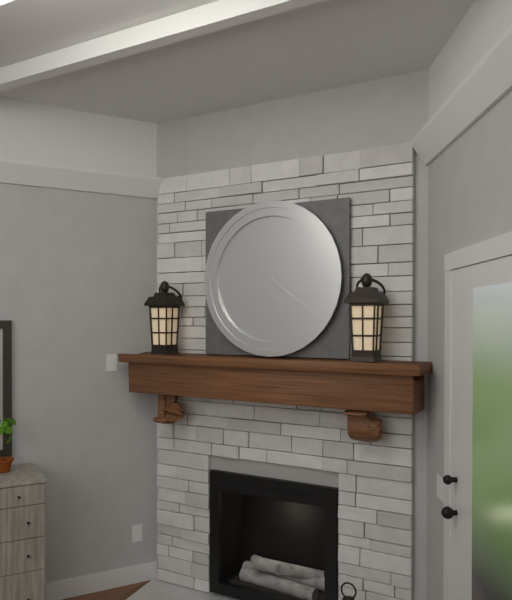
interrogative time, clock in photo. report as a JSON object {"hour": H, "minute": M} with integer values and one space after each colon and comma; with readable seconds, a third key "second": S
{"hour": 5, "minute": 21}
